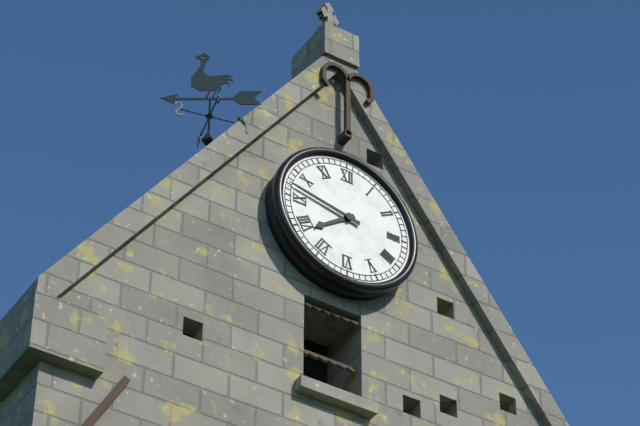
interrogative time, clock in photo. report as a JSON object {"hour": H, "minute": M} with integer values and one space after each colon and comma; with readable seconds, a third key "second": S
{"hour": 7, "minute": 47}
